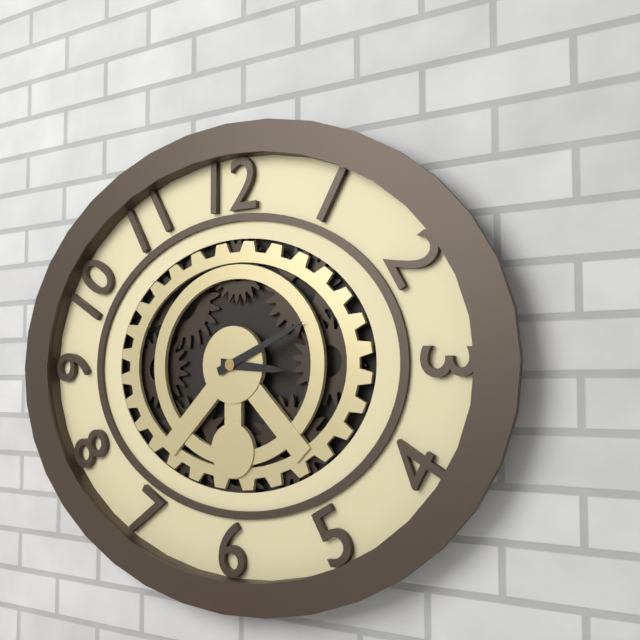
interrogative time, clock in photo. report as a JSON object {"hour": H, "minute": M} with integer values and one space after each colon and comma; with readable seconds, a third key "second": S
{"hour": 3, "minute": 11}
